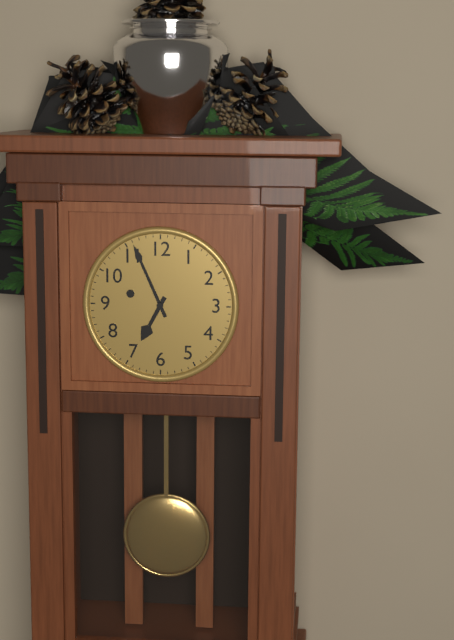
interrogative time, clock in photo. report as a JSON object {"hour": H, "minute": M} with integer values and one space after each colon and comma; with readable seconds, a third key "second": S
{"hour": 6, "minute": 56}
